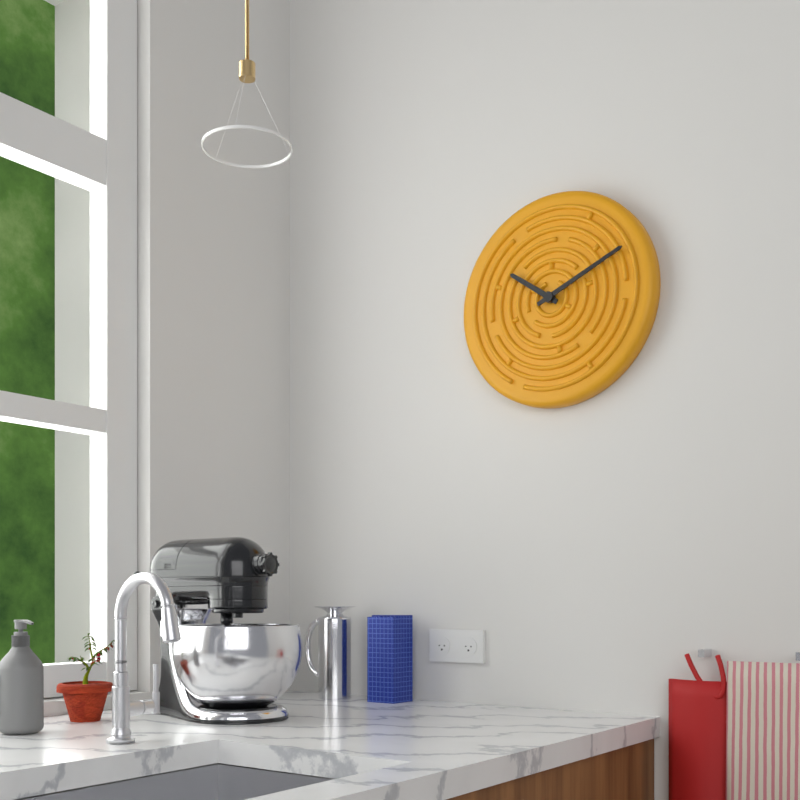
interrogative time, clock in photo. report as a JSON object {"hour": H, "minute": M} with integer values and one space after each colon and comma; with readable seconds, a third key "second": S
{"hour": 10, "minute": 11}
